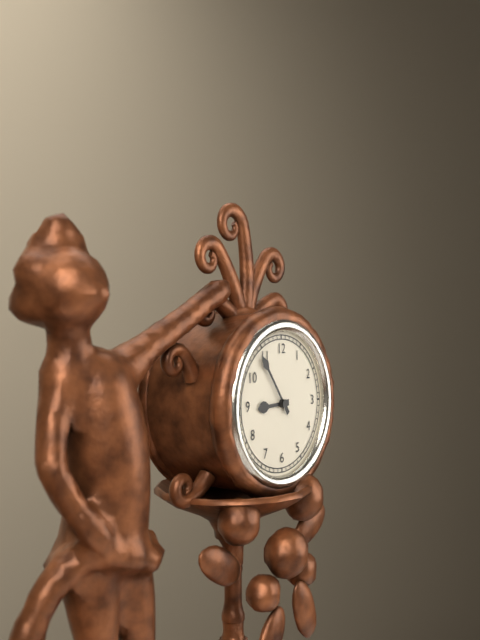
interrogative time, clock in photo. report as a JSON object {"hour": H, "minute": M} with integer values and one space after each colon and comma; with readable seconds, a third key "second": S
{"hour": 8, "minute": 54}
